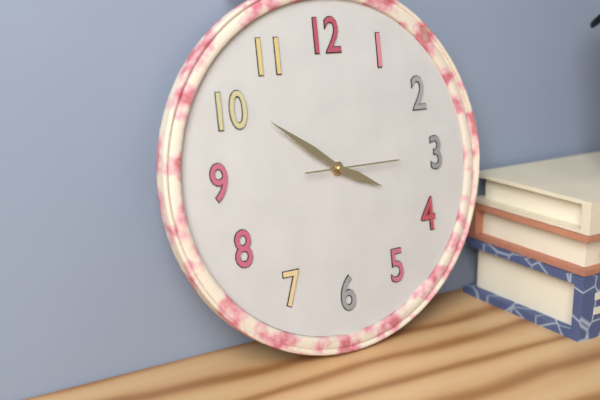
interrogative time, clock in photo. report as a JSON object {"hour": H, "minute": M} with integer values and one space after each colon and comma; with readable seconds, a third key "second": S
{"hour": 3, "minute": 51, "second": 15}
